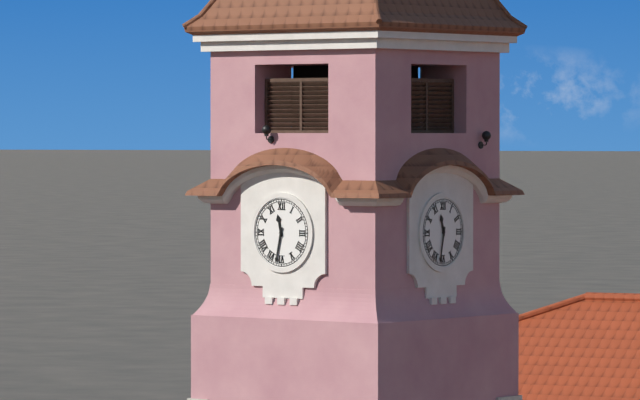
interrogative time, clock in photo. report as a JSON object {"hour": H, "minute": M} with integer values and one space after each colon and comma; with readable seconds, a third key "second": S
{"hour": 11, "minute": 32}
